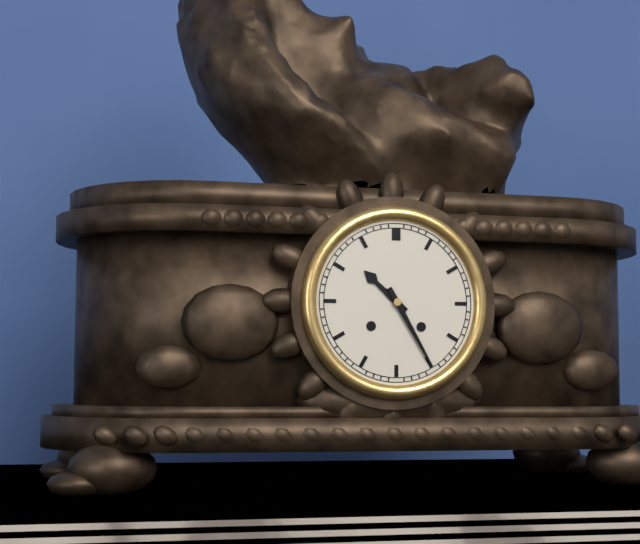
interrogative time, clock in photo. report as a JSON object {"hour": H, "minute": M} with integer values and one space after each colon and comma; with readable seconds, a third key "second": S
{"hour": 10, "minute": 25}
